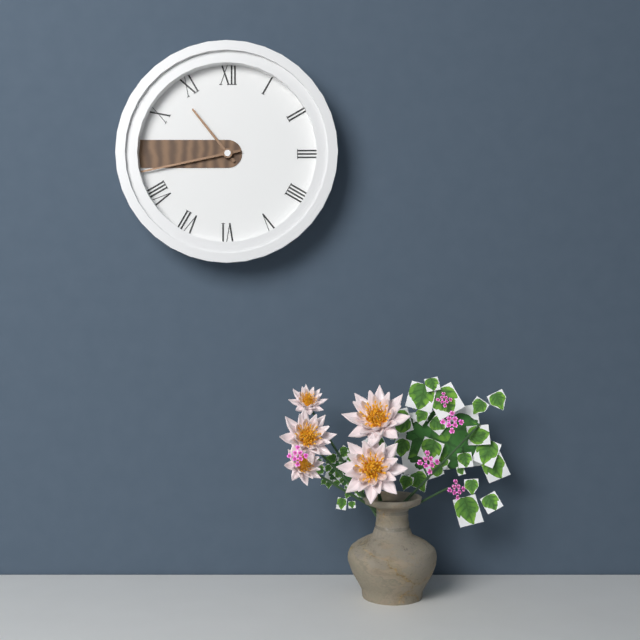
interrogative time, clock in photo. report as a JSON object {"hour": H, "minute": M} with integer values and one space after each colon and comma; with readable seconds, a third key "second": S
{"hour": 10, "minute": 43}
